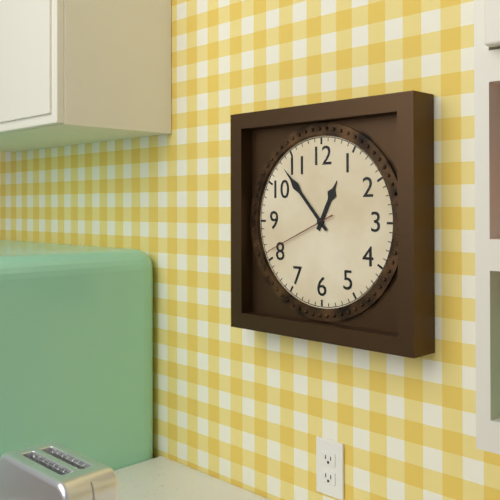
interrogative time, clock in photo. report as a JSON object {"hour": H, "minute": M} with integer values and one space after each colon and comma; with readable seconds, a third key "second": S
{"hour": 12, "minute": 53, "second": 41}
